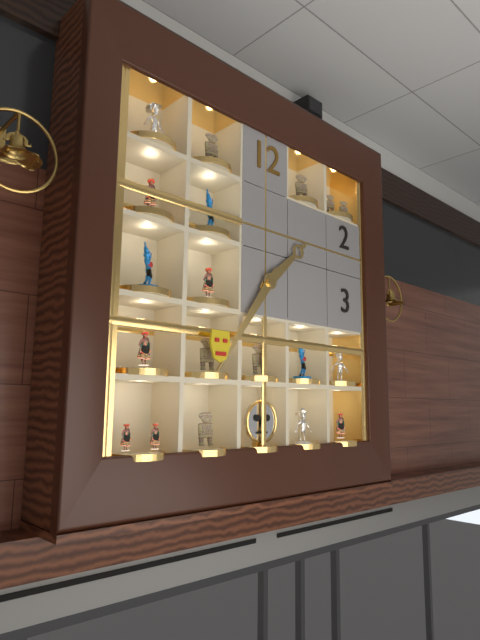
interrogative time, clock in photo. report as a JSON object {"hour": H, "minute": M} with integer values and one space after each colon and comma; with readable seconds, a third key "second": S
{"hour": 1, "minute": 36}
